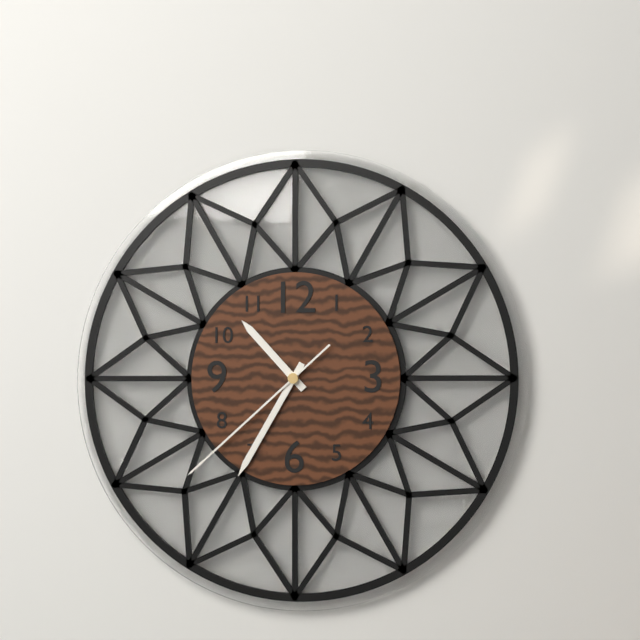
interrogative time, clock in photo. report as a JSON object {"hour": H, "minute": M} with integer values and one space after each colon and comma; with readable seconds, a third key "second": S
{"hour": 10, "minute": 35, "second": 38}
